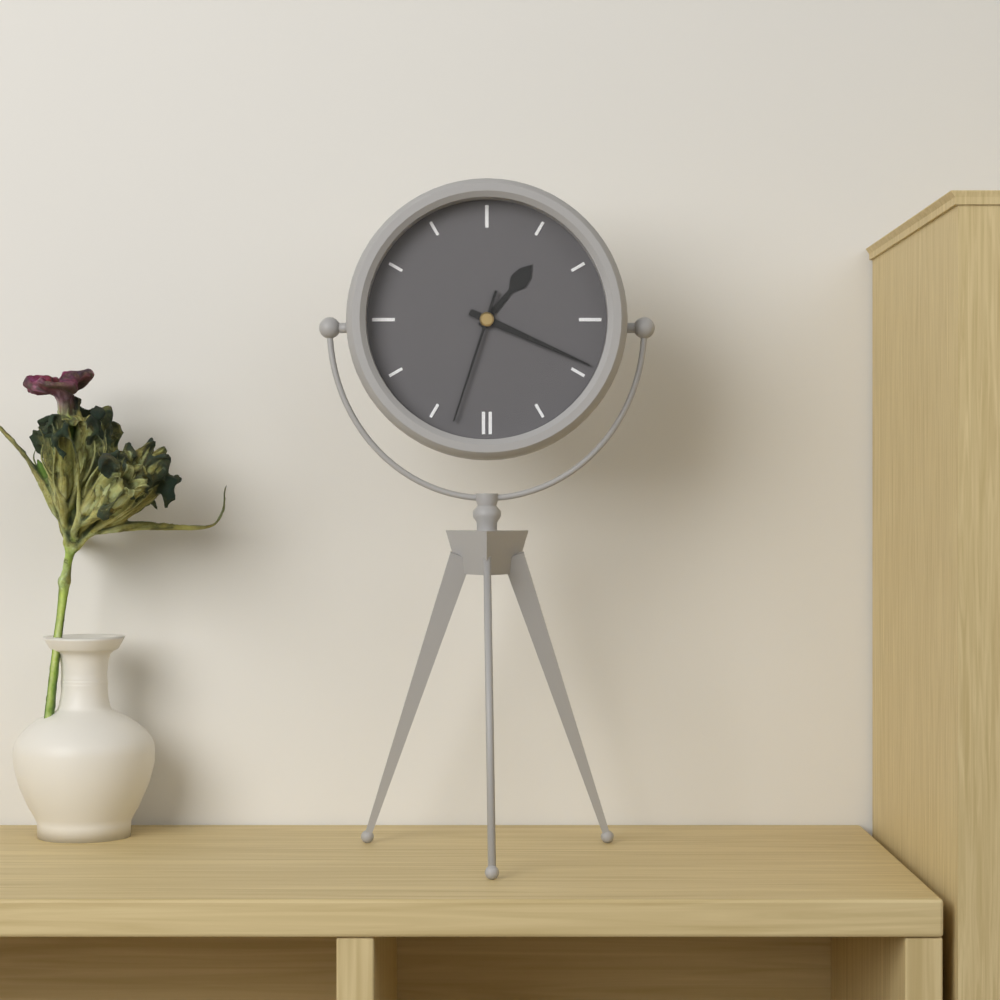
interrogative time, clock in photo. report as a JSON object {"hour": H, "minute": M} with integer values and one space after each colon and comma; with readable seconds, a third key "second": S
{"hour": 1, "minute": 19, "second": 33}
